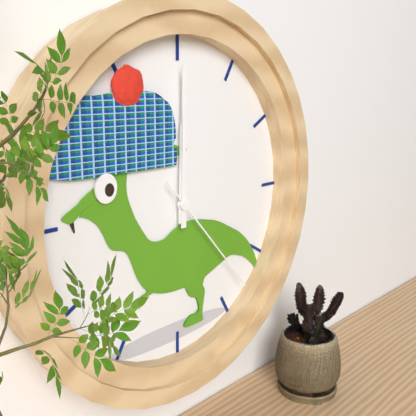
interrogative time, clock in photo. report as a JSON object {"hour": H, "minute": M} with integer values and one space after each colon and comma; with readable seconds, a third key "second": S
{"hour": 12, "minute": 0, "second": 23}
